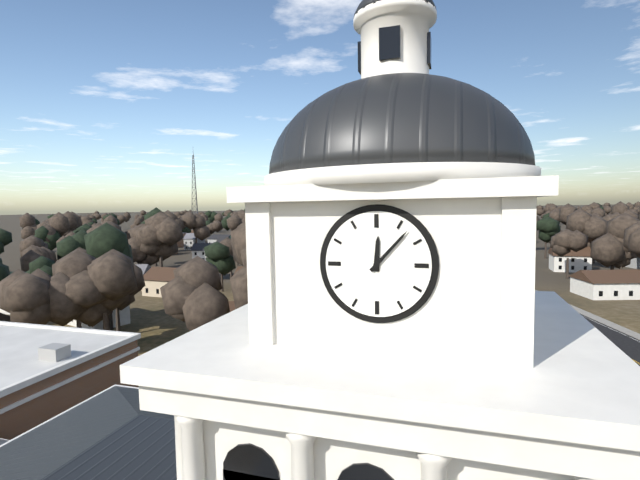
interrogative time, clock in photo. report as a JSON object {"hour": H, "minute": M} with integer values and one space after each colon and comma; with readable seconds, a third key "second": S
{"hour": 12, "minute": 7}
